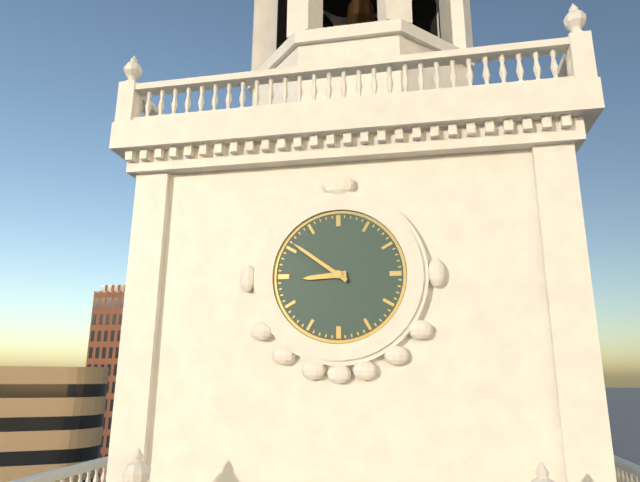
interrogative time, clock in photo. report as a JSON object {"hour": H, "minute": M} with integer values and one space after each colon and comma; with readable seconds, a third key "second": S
{"hour": 8, "minute": 51}
